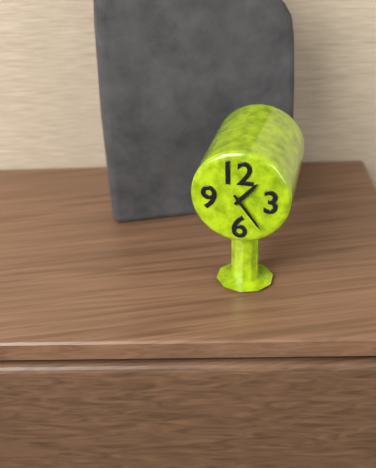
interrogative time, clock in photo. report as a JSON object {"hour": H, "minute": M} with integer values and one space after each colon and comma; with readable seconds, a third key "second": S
{"hour": 1, "minute": 24}
